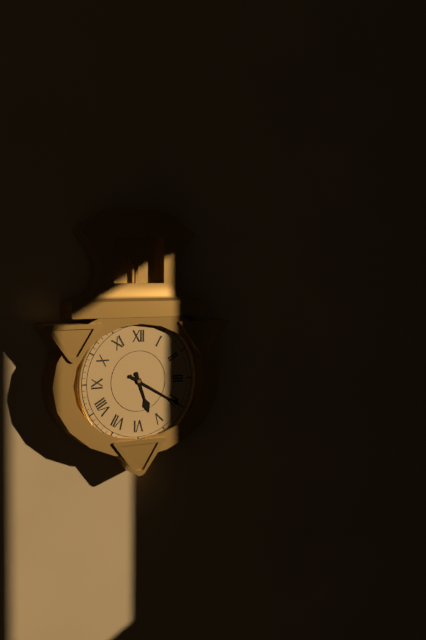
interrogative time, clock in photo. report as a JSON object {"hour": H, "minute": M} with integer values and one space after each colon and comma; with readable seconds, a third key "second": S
{"hour": 5, "minute": 20}
